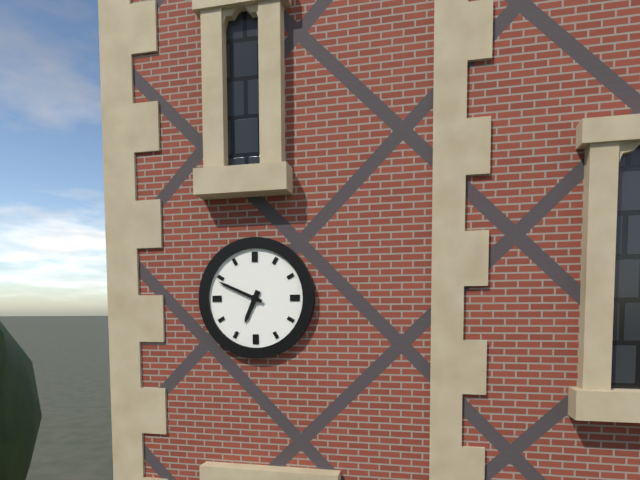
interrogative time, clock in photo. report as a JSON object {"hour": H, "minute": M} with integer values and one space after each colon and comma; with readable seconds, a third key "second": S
{"hour": 6, "minute": 49}
